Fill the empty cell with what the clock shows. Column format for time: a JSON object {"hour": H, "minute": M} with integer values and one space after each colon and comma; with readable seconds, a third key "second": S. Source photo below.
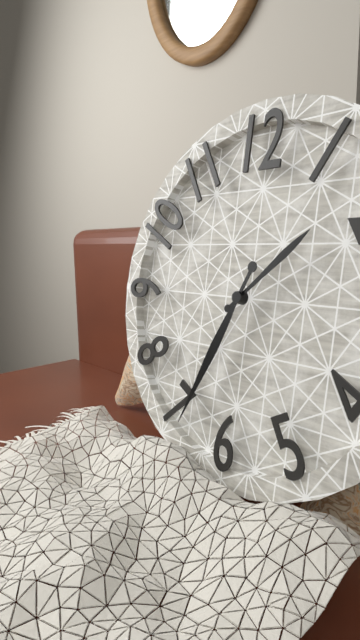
{"hour": 1, "minute": 34}
